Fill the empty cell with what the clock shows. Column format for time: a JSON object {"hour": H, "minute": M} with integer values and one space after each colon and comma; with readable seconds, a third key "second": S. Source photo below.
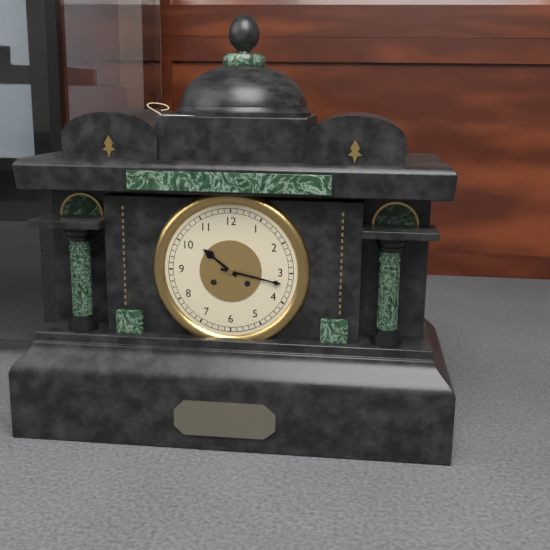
{"hour": 10, "minute": 17}
